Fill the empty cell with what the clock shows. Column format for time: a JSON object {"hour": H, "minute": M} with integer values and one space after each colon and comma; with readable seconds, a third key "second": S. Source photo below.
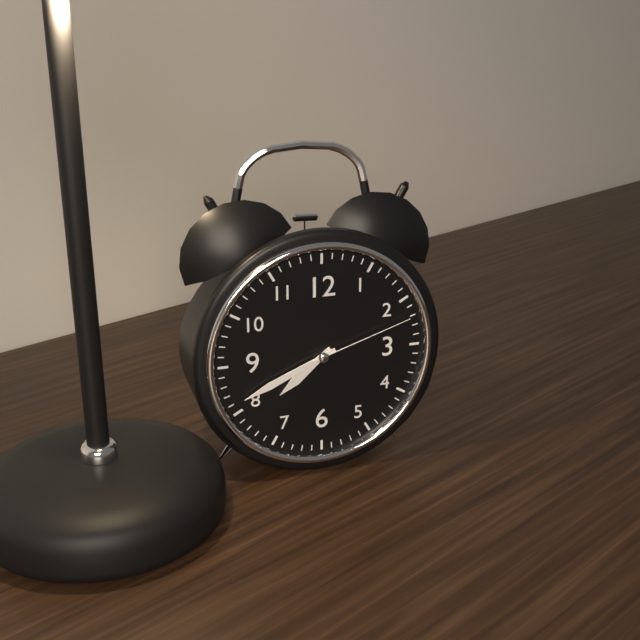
{"hour": 7, "minute": 41, "second": 12}
